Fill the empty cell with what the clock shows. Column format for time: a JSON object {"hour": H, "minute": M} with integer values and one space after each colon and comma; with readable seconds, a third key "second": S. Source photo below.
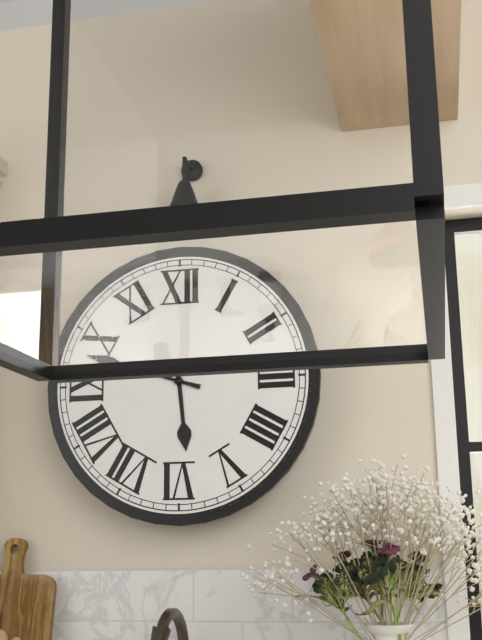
{"hour": 5, "minute": 48}
